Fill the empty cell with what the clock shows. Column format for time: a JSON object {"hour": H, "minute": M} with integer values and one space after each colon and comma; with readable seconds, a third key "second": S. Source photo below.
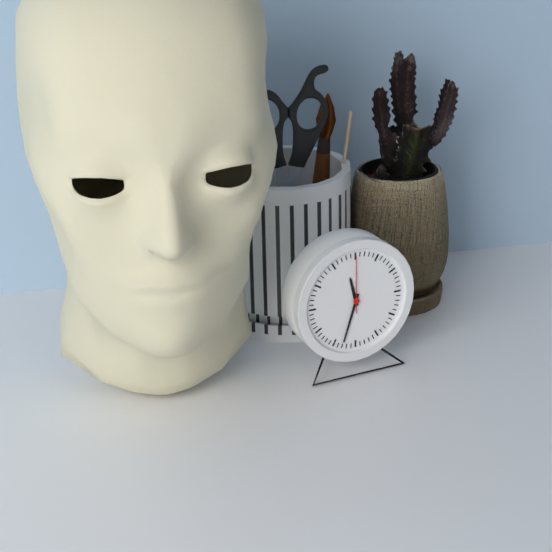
{"hour": 11, "minute": 33, "second": 0}
